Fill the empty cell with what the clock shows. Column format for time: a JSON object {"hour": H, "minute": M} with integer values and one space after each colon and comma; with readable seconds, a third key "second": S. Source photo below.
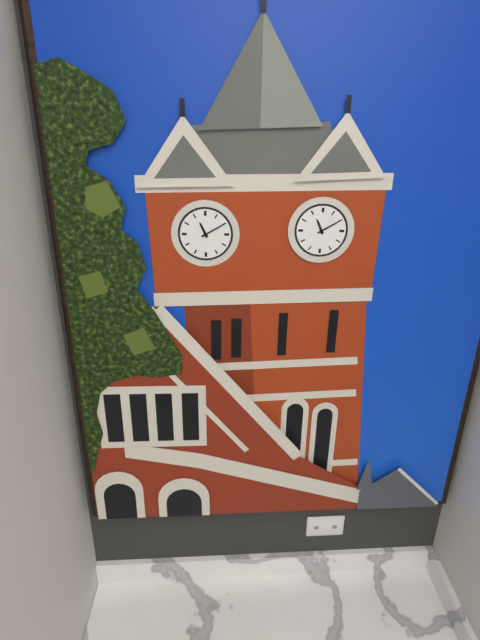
{"hour": 11, "minute": 10}
